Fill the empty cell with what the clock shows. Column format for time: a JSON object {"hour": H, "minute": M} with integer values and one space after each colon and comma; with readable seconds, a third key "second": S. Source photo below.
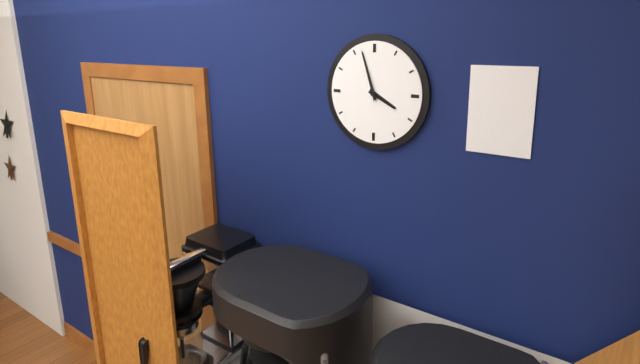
{"hour": 3, "minute": 57}
